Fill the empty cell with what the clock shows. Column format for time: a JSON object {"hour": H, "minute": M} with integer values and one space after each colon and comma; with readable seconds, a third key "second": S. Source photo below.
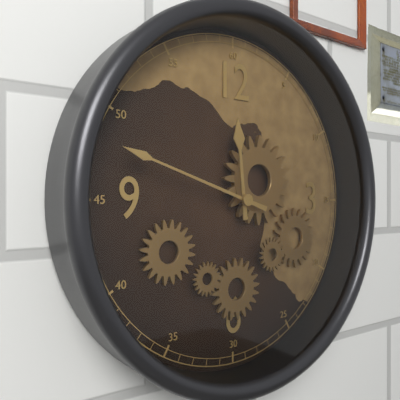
{"hour": 11, "minute": 48}
